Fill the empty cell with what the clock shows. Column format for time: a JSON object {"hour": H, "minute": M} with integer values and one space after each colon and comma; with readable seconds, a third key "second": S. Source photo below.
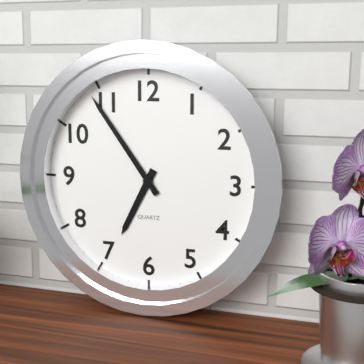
{"hour": 6, "minute": 54}
